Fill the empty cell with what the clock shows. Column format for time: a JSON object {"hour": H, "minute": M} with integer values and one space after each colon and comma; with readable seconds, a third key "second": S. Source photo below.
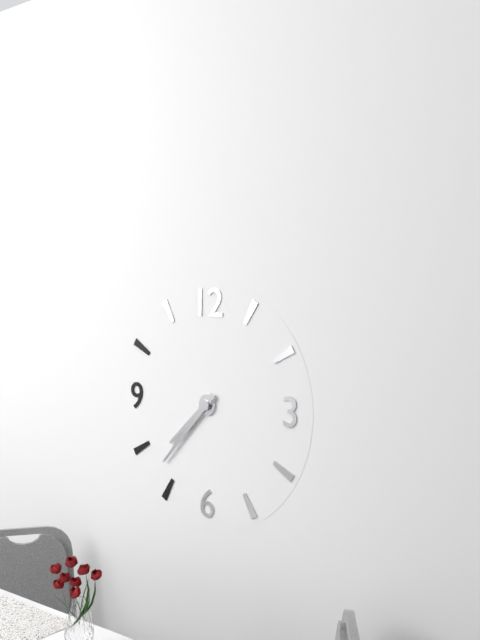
{"hour": 7, "minute": 37}
